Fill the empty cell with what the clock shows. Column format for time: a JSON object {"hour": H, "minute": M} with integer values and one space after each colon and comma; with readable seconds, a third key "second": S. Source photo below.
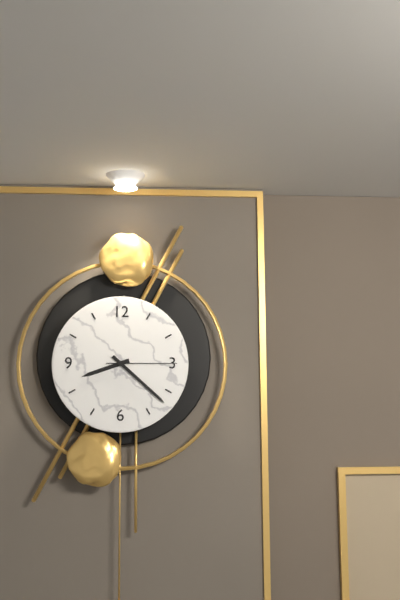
{"hour": 8, "minute": 22, "second": 15}
